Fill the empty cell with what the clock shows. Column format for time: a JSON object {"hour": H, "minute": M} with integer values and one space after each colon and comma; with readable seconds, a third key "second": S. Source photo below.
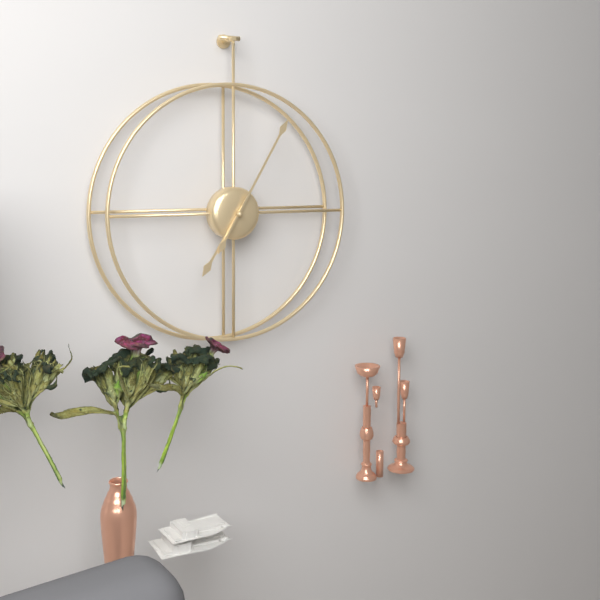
{"hour": 7, "minute": 5}
